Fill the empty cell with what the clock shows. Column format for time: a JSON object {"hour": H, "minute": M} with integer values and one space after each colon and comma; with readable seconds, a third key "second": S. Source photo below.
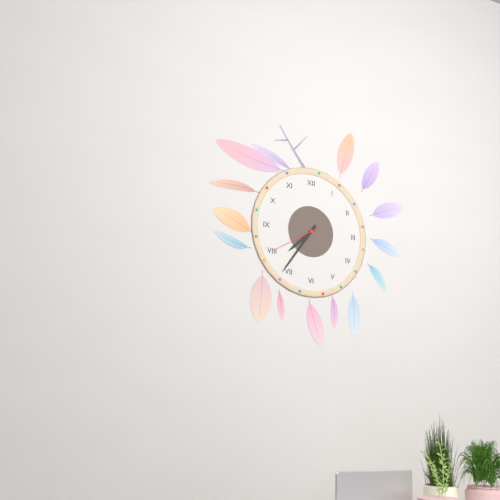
{"hour": 7, "minute": 36}
